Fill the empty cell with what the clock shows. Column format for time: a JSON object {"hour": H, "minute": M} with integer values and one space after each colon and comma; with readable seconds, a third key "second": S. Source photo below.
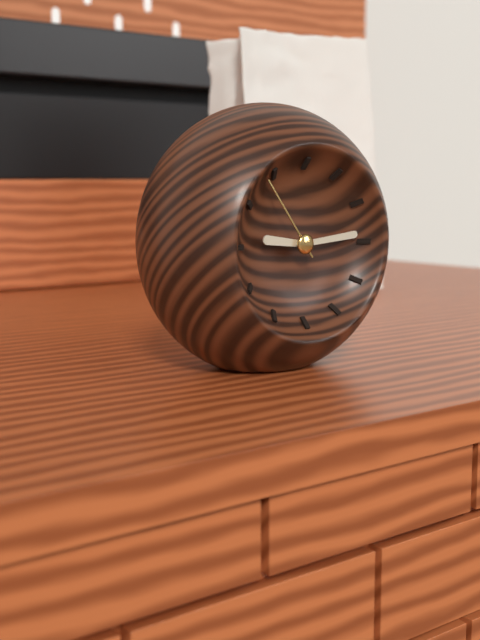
{"hour": 9, "minute": 14, "second": 54}
